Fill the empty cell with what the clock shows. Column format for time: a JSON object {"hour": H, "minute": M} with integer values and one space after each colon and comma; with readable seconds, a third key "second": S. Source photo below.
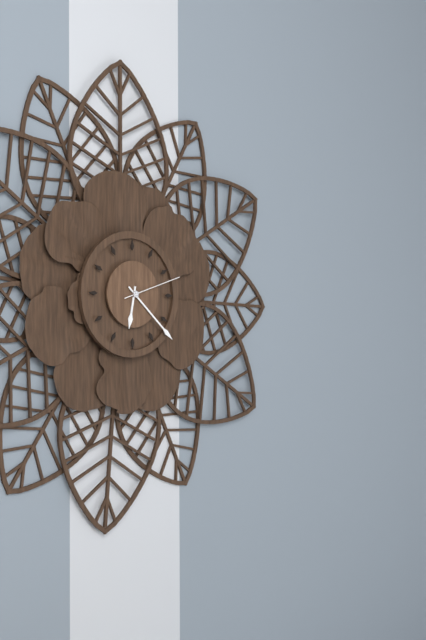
{"hour": 6, "minute": 22, "second": 12}
